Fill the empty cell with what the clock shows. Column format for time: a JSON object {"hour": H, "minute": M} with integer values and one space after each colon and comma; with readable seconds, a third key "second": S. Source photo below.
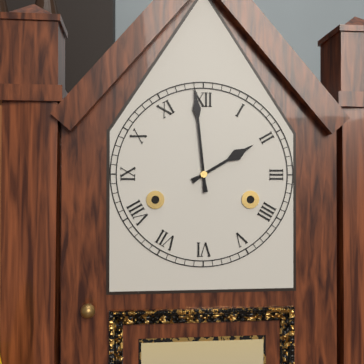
{"hour": 1, "minute": 59}
